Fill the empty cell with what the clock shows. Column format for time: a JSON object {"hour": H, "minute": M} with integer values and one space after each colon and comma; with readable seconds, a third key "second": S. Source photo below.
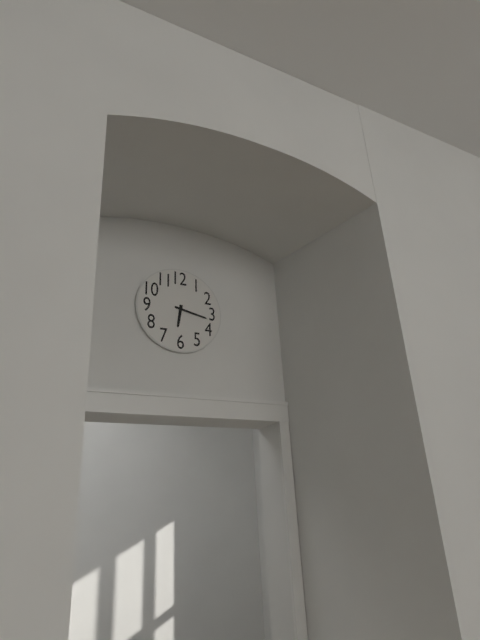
{"hour": 6, "minute": 17}
